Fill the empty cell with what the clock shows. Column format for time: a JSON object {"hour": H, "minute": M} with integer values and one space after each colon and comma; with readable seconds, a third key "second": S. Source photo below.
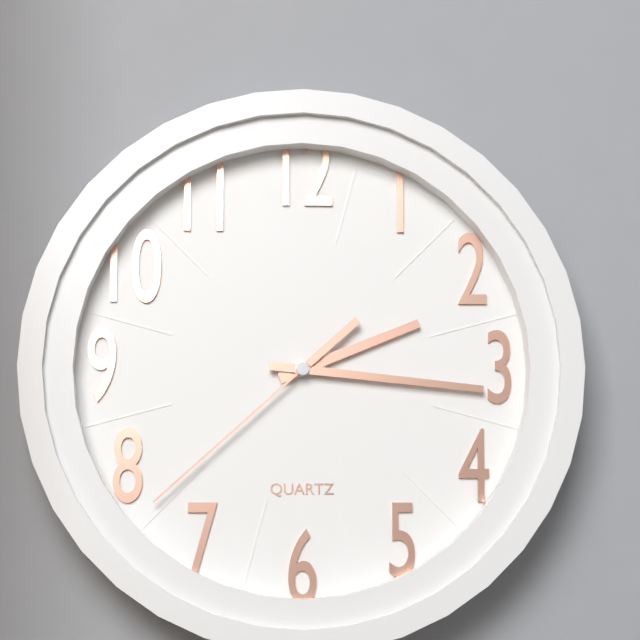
{"hour": 2, "minute": 16, "second": 38}
